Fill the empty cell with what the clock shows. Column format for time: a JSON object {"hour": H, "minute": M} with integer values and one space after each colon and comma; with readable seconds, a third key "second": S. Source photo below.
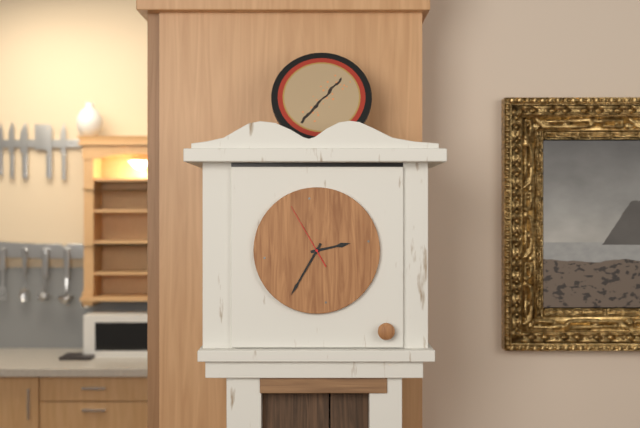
{"hour": 2, "minute": 35, "second": 55}
